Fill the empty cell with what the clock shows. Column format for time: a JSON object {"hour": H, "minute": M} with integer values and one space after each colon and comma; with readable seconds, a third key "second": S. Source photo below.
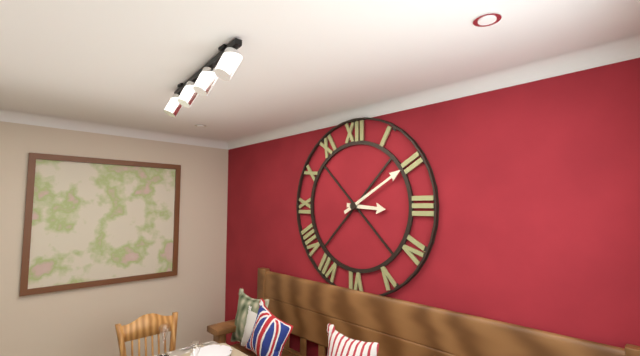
{"hour": 3, "minute": 10}
